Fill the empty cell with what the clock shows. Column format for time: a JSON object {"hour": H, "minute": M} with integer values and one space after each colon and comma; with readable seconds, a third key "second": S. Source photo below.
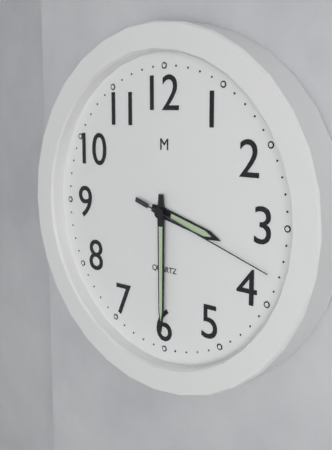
{"hour": 3, "minute": 30, "second": 18}
